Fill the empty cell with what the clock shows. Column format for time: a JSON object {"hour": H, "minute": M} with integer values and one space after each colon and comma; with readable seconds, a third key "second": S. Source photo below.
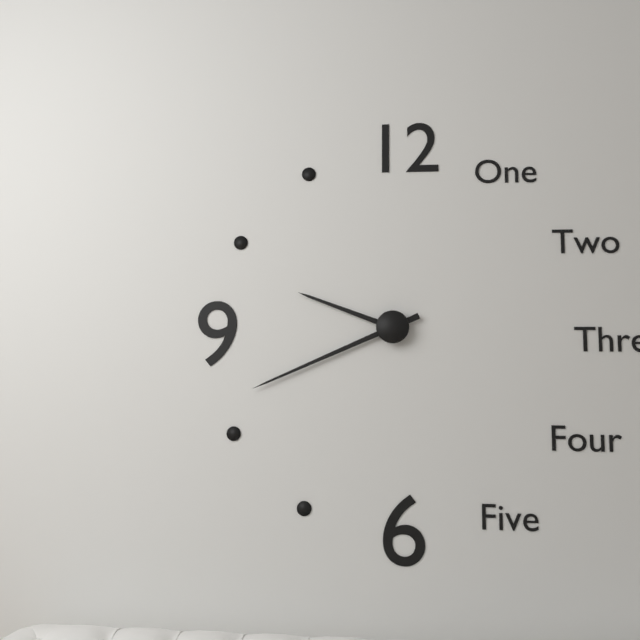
{"hour": 9, "minute": 41}
